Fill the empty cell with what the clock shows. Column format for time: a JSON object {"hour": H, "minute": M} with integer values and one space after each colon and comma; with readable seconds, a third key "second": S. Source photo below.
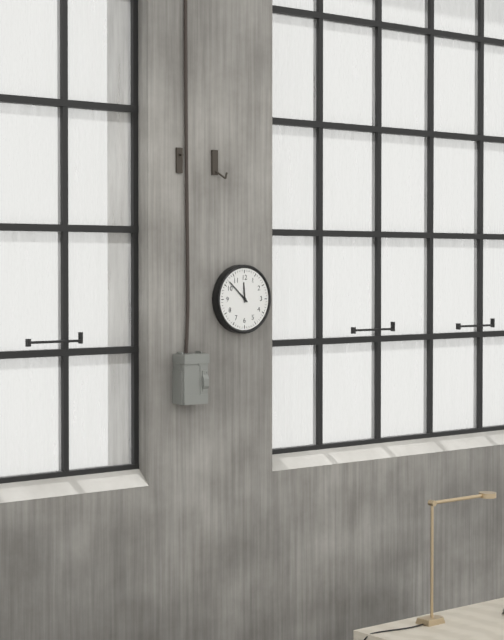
{"hour": 11, "minute": 52}
